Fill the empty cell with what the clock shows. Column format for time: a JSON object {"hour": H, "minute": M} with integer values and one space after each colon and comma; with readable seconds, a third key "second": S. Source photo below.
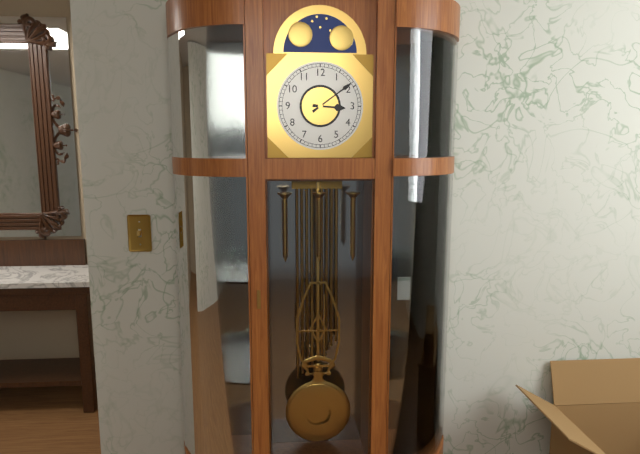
{"hour": 3, "minute": 9}
